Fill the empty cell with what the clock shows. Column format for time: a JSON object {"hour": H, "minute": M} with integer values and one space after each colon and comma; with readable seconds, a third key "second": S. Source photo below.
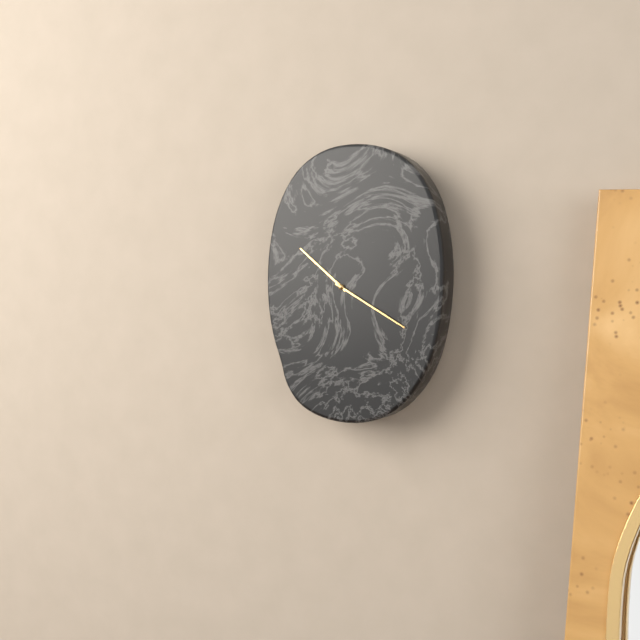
{"hour": 10, "minute": 20}
